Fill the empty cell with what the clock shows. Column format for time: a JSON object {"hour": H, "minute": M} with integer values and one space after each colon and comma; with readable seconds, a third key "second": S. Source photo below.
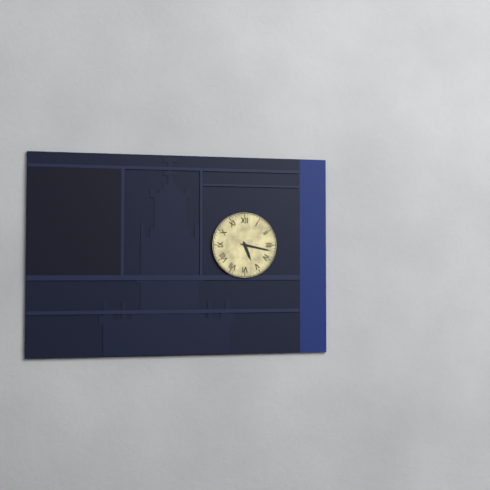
{"hour": 5, "minute": 17}
